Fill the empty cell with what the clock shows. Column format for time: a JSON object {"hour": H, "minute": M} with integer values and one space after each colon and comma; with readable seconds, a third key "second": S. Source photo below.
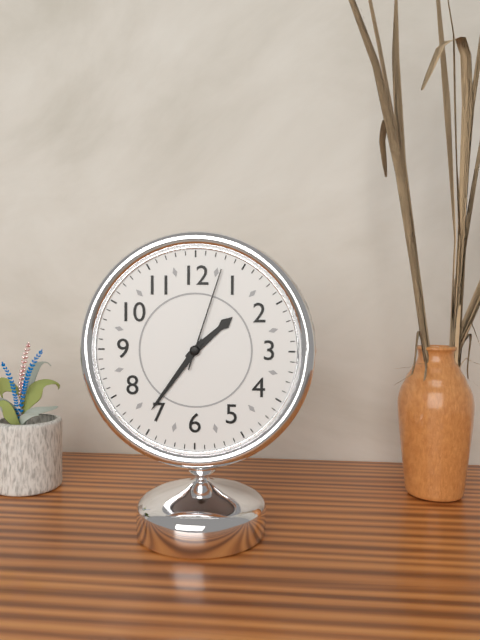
{"hour": 1, "minute": 36, "second": 3}
